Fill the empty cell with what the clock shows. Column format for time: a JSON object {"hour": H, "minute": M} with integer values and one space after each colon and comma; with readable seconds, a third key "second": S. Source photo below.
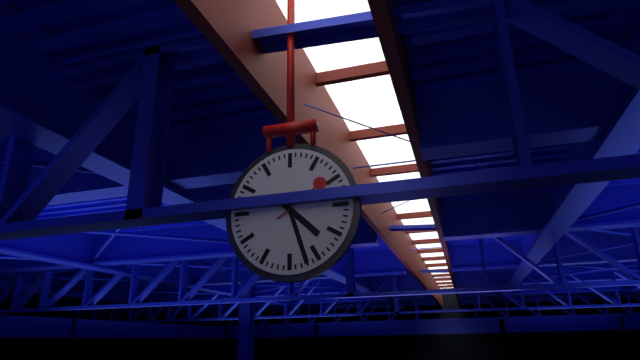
{"hour": 4, "minute": 27, "second": 9}
